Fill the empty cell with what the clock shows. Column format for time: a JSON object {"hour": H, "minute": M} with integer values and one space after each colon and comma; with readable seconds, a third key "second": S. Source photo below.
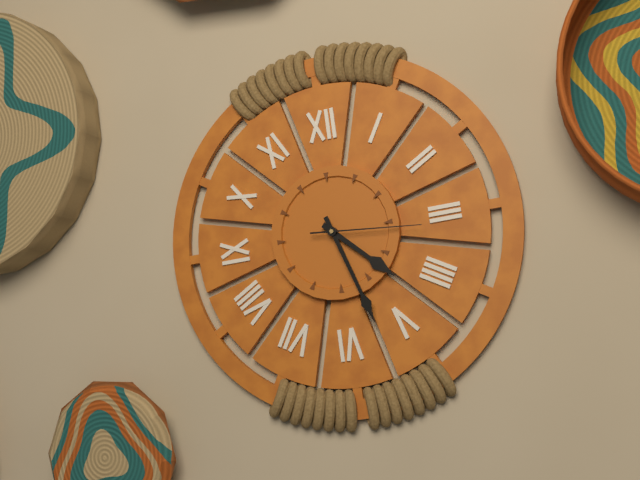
{"hour": 4, "minute": 27, "second": 16}
